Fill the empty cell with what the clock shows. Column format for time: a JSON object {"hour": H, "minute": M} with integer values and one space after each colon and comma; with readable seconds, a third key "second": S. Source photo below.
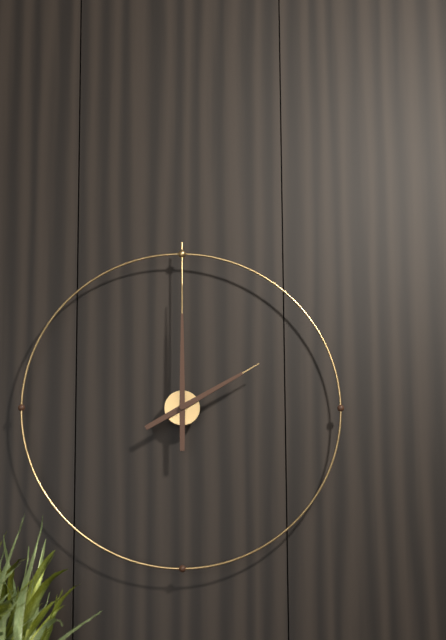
{"hour": 2, "minute": 0}
